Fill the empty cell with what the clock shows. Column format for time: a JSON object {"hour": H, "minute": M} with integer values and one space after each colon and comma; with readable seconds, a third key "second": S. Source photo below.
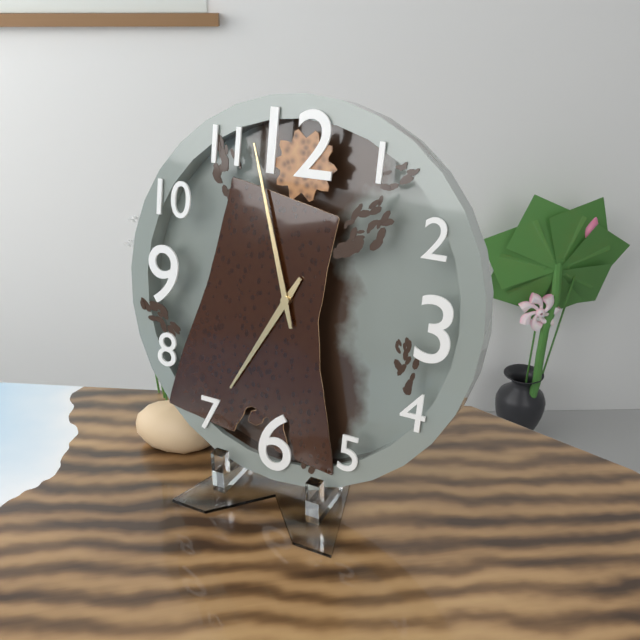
{"hour": 6, "minute": 57}
